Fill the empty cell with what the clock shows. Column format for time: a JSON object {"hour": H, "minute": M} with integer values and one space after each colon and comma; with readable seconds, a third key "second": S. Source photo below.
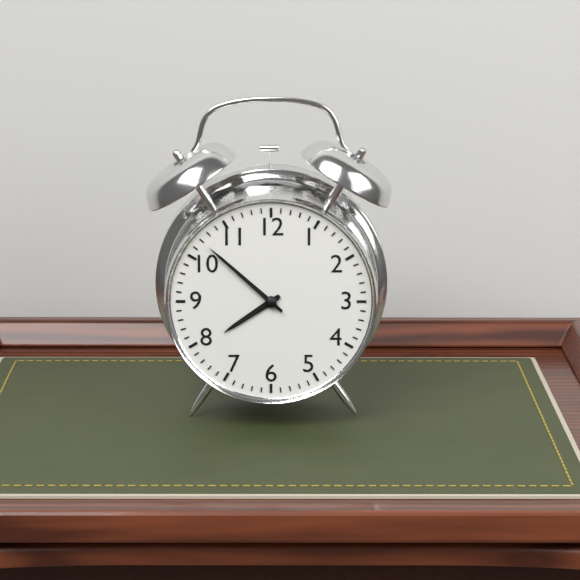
{"hour": 7, "minute": 52}
